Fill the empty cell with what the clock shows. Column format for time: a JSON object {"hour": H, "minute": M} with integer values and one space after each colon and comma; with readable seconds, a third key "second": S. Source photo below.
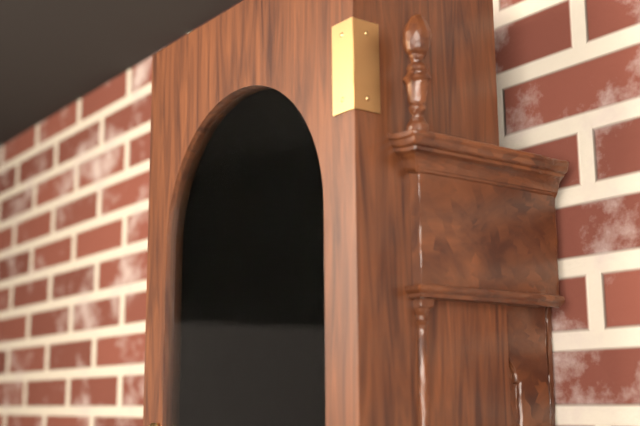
{"hour": 10, "minute": 12}
